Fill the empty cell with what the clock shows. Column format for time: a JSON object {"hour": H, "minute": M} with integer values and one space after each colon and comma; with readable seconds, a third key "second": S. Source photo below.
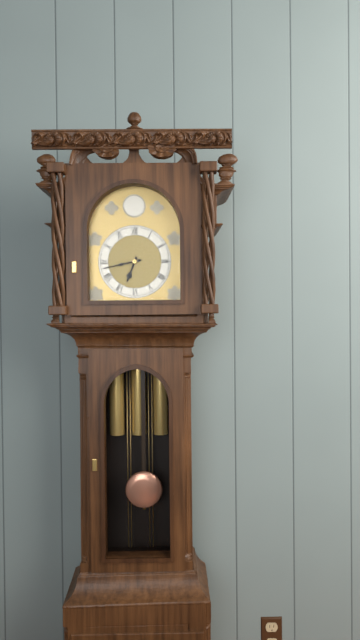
{"hour": 6, "minute": 43}
